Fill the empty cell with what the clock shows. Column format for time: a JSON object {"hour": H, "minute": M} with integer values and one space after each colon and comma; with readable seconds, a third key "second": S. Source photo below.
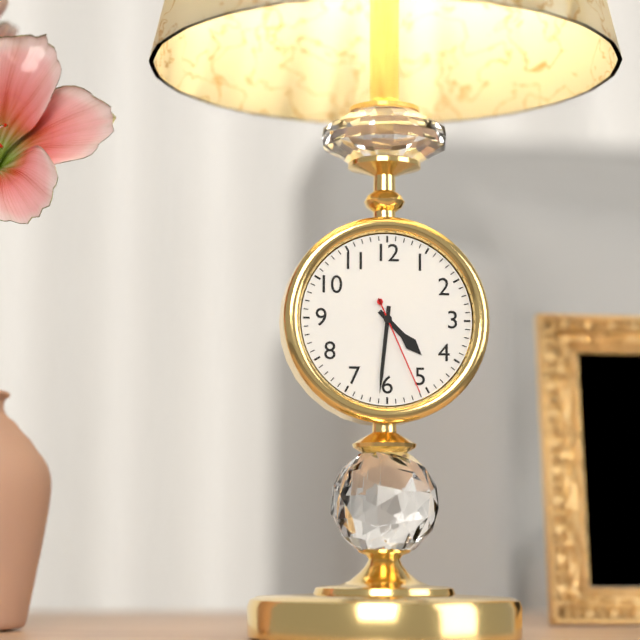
{"hour": 4, "minute": 31, "second": 26}
